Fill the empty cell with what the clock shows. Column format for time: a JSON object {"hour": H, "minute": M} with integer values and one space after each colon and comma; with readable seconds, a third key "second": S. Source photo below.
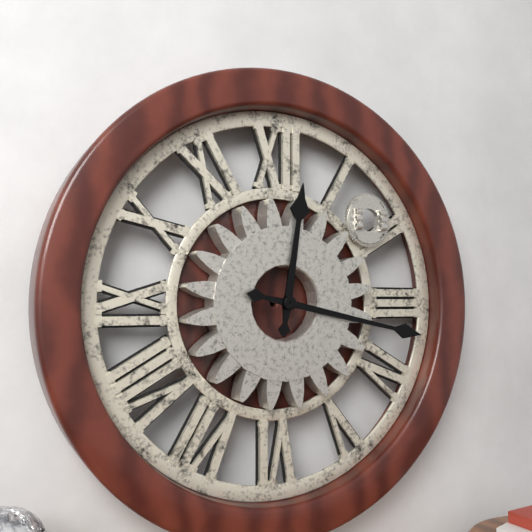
{"hour": 12, "minute": 17}
